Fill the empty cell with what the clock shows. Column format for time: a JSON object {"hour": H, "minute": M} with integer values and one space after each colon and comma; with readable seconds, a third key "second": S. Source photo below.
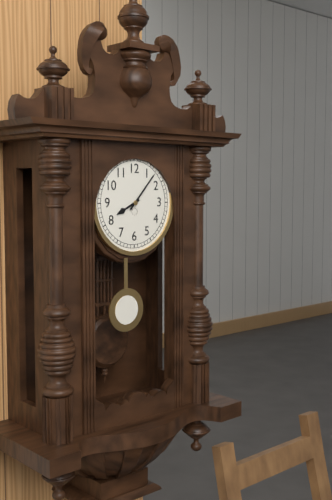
{"hour": 8, "minute": 7}
